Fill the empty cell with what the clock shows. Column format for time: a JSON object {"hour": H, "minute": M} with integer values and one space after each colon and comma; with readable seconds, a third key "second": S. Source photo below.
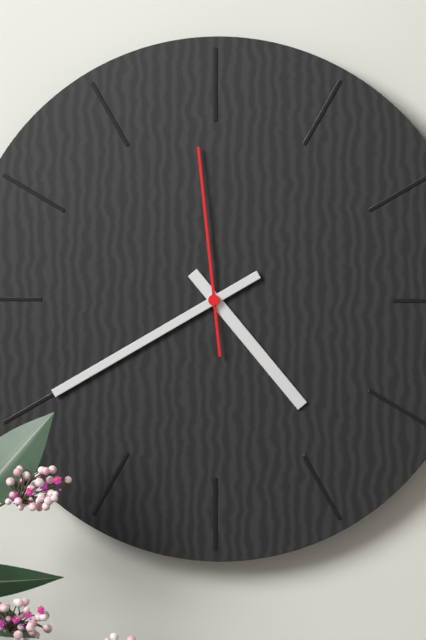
{"hour": 4, "minute": 40, "second": 59}
